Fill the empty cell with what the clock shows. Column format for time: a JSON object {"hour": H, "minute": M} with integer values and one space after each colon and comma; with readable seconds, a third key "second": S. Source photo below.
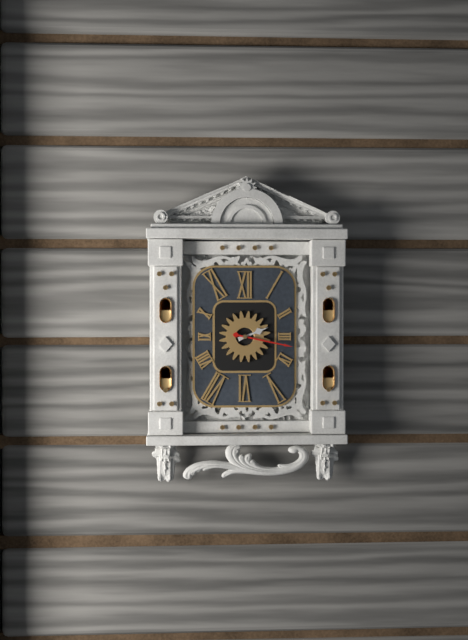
{"hour": 2, "minute": 17}
